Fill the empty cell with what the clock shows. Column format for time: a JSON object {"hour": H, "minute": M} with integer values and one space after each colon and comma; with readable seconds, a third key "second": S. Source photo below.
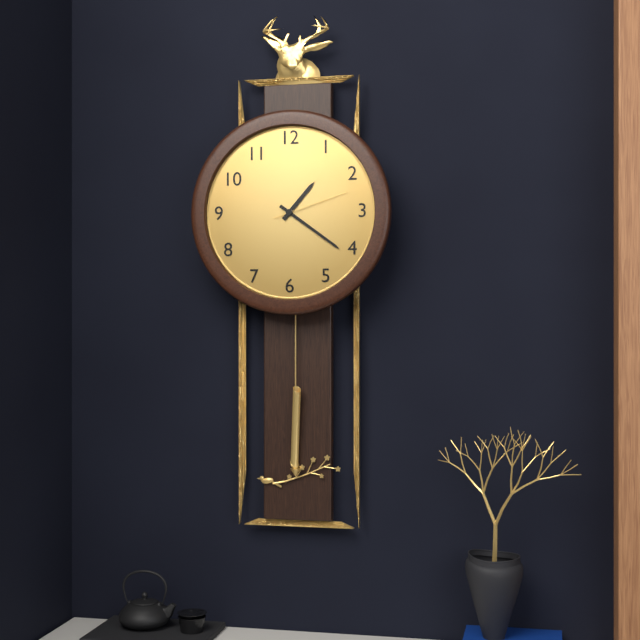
{"hour": 1, "minute": 21, "second": 12}
